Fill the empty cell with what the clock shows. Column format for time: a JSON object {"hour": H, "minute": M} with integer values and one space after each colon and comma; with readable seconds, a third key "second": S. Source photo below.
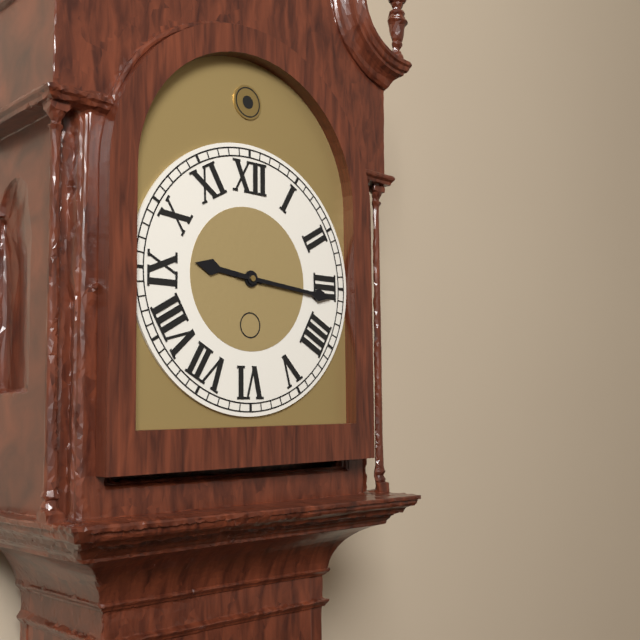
{"hour": 9, "minute": 16}
